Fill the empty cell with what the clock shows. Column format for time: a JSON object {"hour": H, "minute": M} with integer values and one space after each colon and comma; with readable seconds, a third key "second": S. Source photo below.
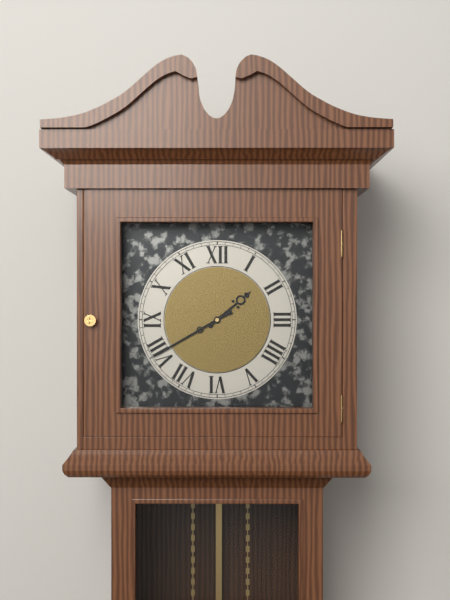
{"hour": 1, "minute": 40}
